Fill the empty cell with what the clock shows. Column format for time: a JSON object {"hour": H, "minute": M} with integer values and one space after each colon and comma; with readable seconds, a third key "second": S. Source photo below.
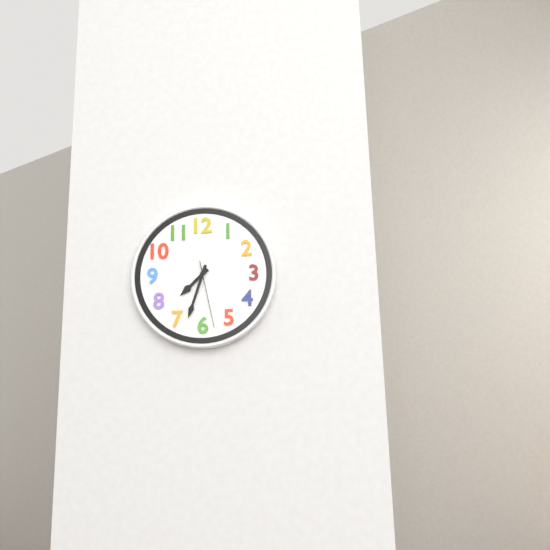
{"hour": 7, "minute": 33, "second": 28}
